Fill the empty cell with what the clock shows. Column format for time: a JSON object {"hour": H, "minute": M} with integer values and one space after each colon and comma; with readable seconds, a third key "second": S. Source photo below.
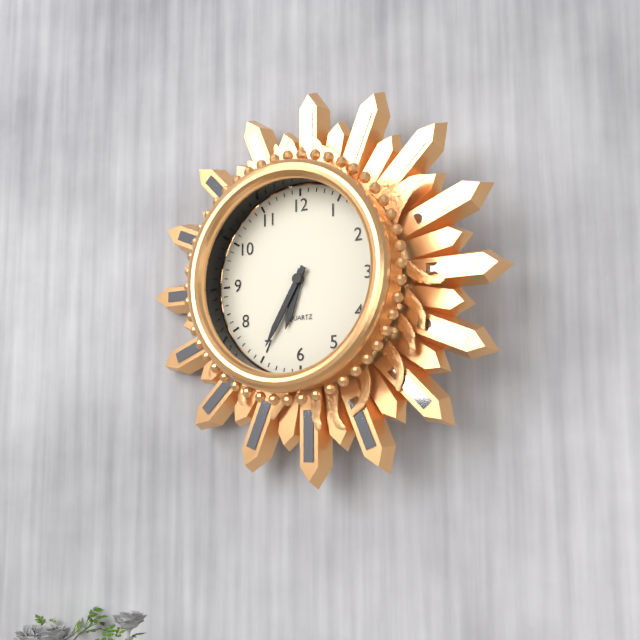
{"hour": 6, "minute": 35}
